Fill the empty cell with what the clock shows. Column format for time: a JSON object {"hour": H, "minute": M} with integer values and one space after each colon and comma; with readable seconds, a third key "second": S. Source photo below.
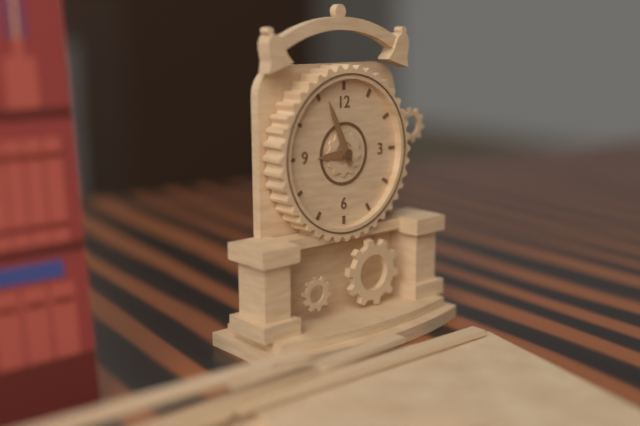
{"hour": 8, "minute": 56}
